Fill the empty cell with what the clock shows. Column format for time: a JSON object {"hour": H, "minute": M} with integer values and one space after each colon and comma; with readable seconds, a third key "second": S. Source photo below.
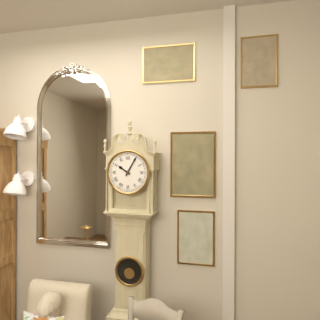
{"hour": 10, "minute": 5}
